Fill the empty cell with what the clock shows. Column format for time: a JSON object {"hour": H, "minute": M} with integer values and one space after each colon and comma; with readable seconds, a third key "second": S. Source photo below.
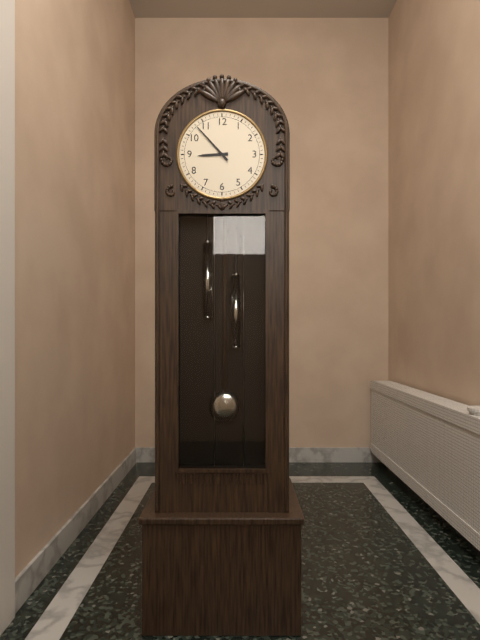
{"hour": 8, "minute": 53}
